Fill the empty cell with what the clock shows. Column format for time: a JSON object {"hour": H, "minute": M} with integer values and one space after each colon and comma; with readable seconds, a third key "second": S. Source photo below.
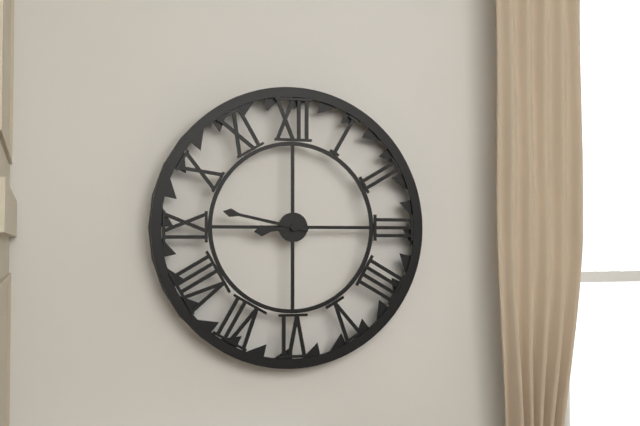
{"hour": 8, "minute": 47}
